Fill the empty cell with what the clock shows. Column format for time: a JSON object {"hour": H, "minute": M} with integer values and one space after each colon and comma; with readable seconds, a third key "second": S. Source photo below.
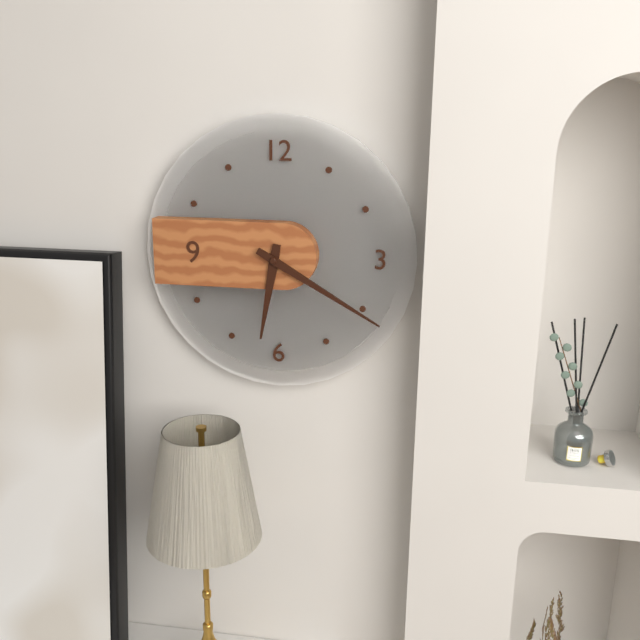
{"hour": 6, "minute": 20}
